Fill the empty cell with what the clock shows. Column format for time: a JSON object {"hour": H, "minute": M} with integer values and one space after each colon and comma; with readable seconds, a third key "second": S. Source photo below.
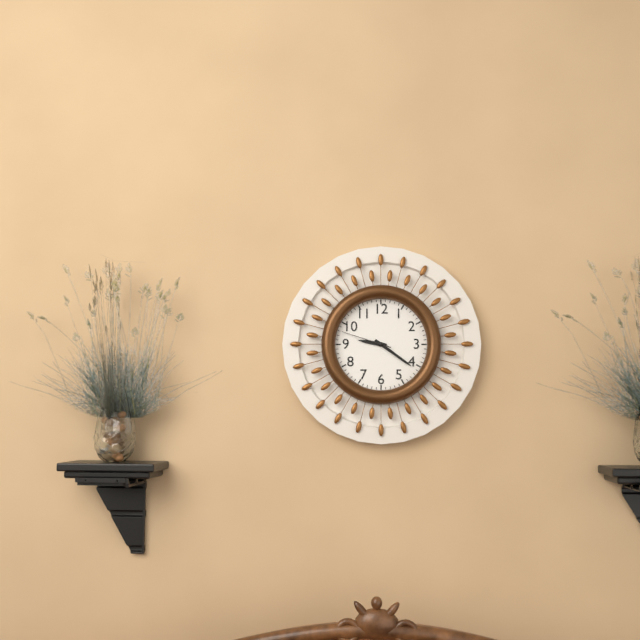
{"hour": 9, "minute": 21, "second": 48}
